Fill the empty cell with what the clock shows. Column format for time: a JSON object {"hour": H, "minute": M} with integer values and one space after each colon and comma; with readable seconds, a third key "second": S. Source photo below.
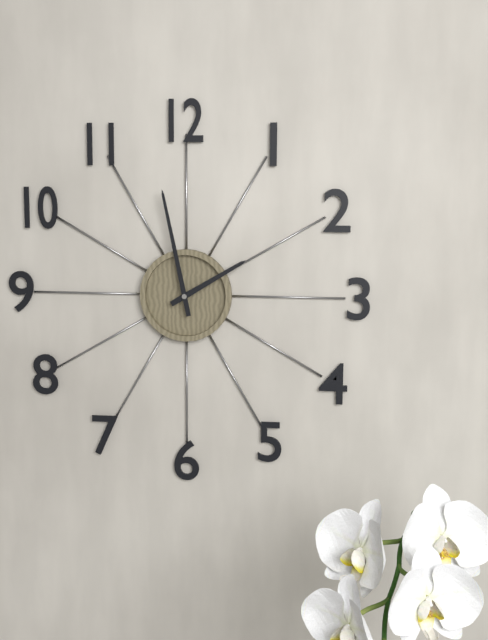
{"hour": 1, "minute": 58}
